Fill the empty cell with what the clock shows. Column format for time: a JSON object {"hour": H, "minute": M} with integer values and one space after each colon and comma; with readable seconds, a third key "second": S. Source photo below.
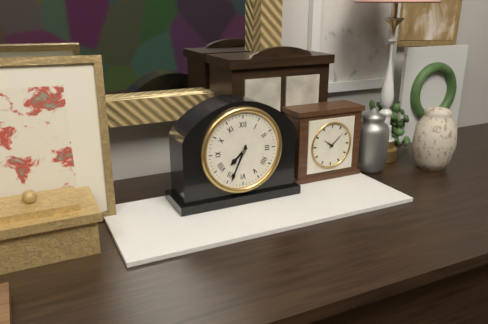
{"hour": 7, "minute": 34}
